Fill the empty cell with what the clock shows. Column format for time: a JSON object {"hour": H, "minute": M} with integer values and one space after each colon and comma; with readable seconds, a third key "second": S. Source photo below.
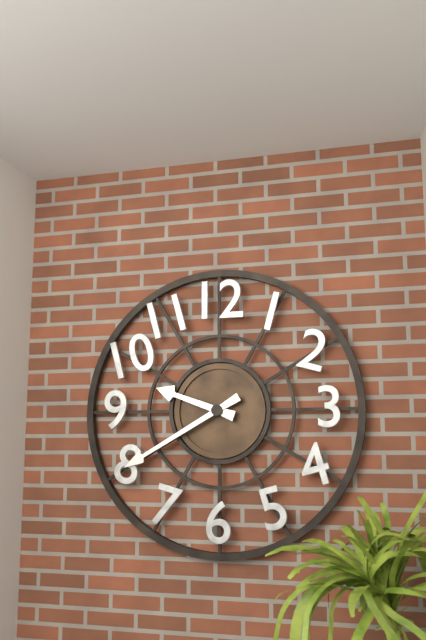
{"hour": 9, "minute": 40}
